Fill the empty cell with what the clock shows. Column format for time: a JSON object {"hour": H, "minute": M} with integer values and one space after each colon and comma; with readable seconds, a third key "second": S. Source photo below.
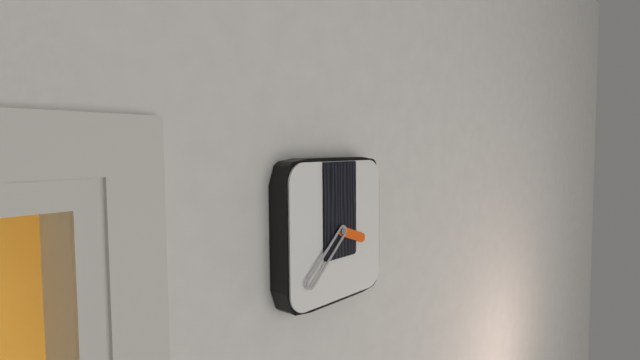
{"hour": 3, "minute": 38}
